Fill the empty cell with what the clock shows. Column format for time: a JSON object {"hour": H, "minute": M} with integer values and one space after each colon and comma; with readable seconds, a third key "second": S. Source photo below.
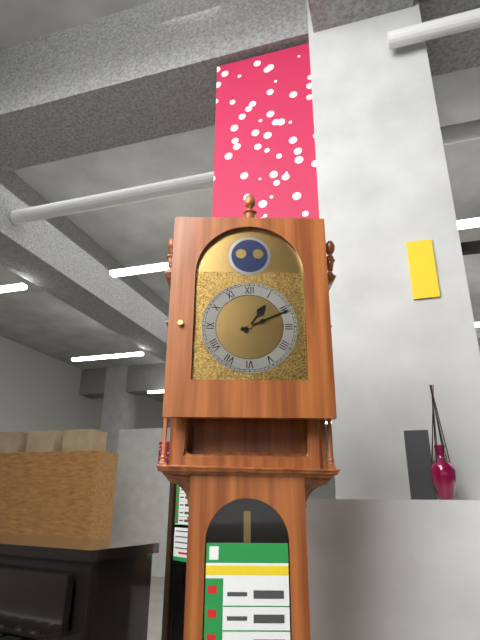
{"hour": 1, "minute": 11}
